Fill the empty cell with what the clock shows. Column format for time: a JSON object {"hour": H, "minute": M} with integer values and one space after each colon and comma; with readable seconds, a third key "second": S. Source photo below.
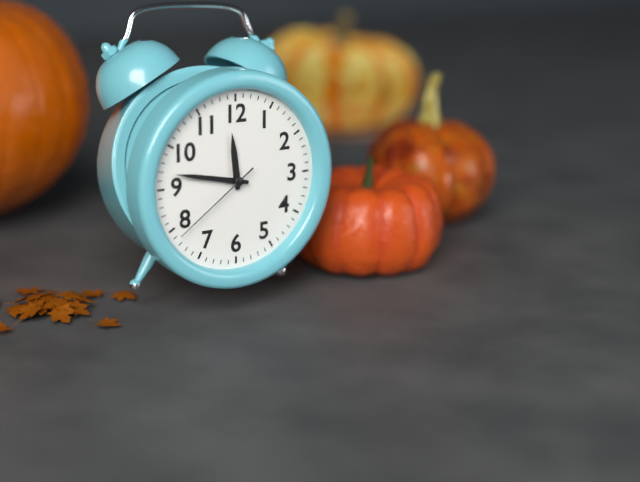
{"hour": 11, "minute": 47, "second": 39}
